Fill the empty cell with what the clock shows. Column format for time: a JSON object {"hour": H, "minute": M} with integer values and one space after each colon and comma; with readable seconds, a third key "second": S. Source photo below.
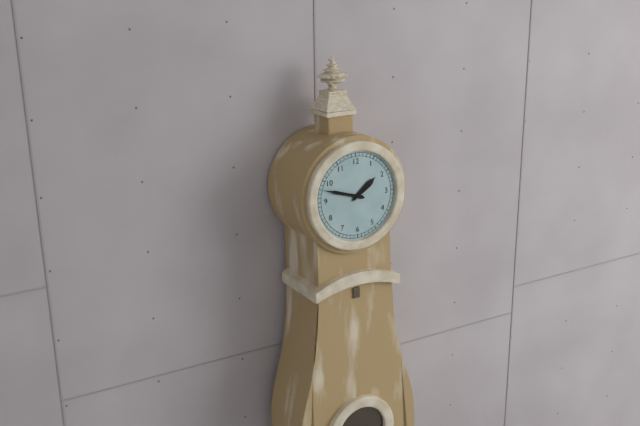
{"hour": 1, "minute": 48}
